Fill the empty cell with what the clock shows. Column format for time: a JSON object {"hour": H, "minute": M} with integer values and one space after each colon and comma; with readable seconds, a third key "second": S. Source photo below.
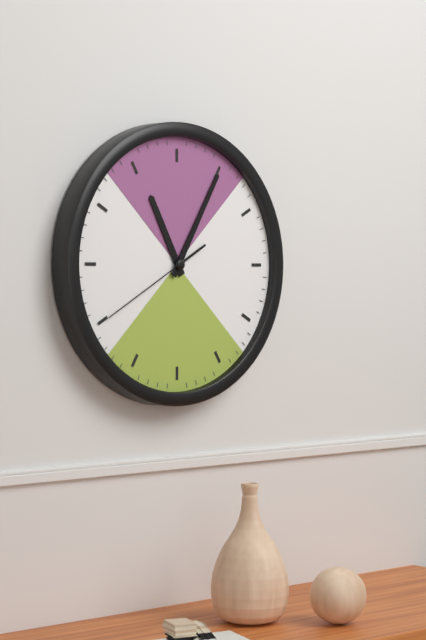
{"hour": 11, "minute": 5, "second": 40}
